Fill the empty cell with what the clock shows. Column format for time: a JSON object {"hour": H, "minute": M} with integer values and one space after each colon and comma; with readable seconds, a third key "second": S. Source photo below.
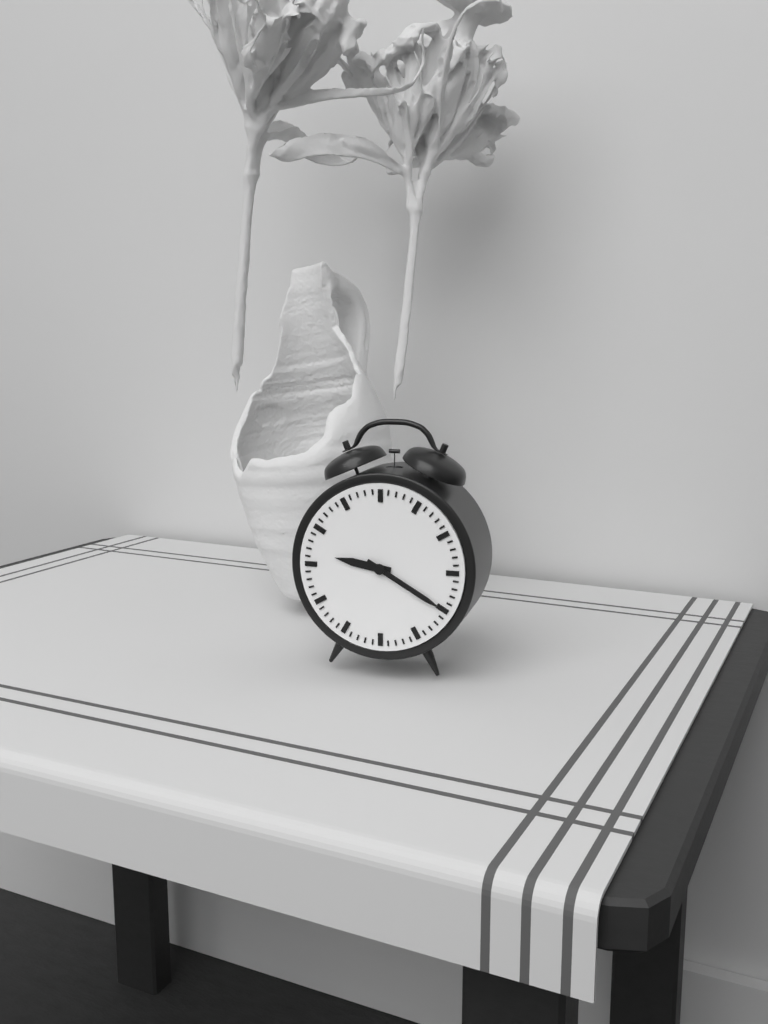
{"hour": 9, "minute": 20}
